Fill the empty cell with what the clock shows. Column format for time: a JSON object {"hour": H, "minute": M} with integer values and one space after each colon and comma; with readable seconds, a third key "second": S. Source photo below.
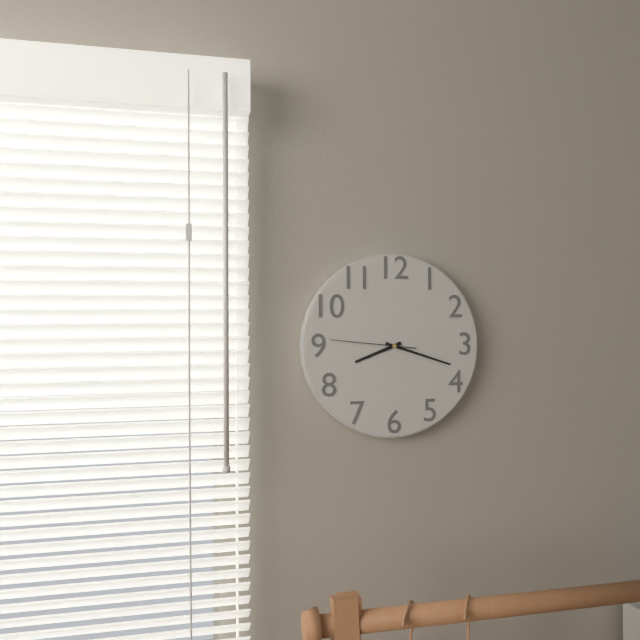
{"hour": 8, "minute": 18, "second": 46}
